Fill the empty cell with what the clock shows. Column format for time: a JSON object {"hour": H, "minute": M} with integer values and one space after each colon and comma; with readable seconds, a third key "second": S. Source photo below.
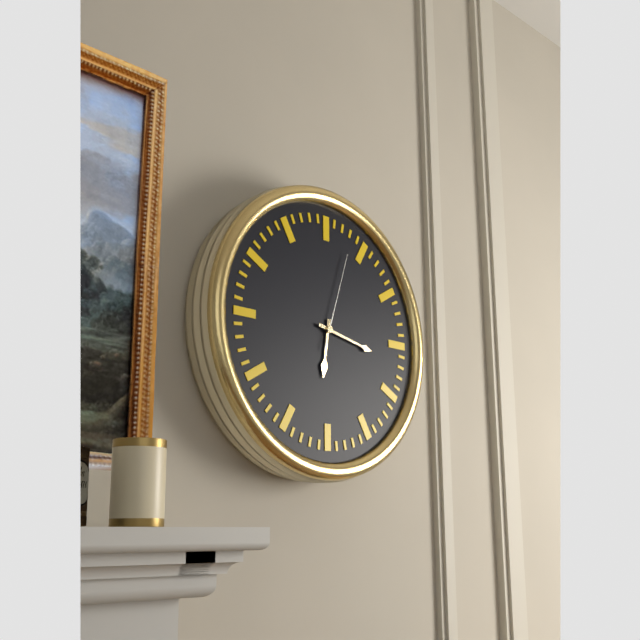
{"hour": 6, "minute": 17, "second": 3}
